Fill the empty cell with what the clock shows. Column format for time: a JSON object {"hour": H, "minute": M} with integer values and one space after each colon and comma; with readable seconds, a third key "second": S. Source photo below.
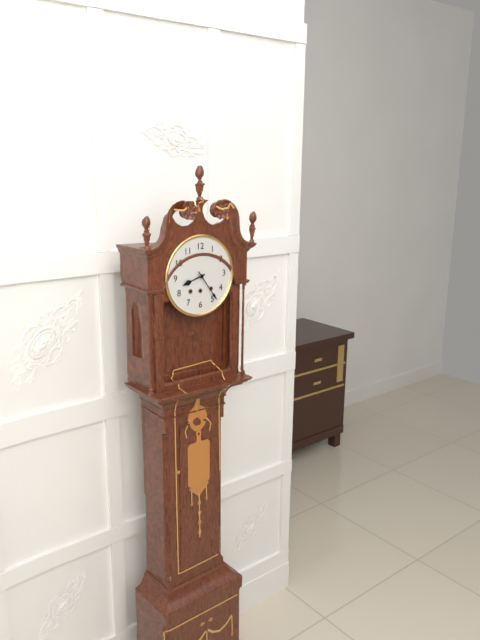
{"hour": 8, "minute": 24}
